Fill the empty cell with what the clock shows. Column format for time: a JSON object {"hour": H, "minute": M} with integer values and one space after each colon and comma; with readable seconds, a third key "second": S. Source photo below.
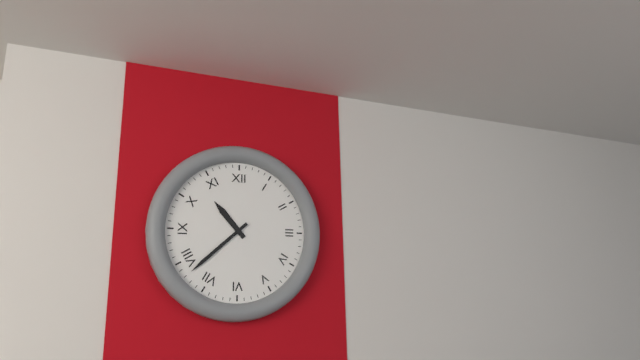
{"hour": 10, "minute": 38}
